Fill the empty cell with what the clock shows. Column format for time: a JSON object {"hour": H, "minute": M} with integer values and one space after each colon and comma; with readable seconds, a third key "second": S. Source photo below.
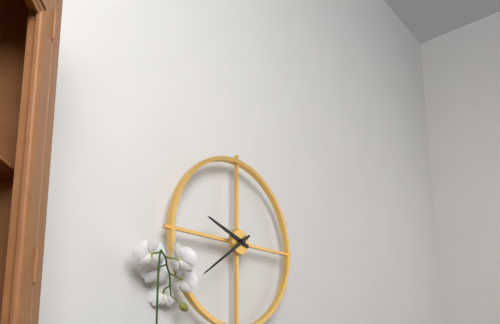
{"hour": 9, "minute": 39}
